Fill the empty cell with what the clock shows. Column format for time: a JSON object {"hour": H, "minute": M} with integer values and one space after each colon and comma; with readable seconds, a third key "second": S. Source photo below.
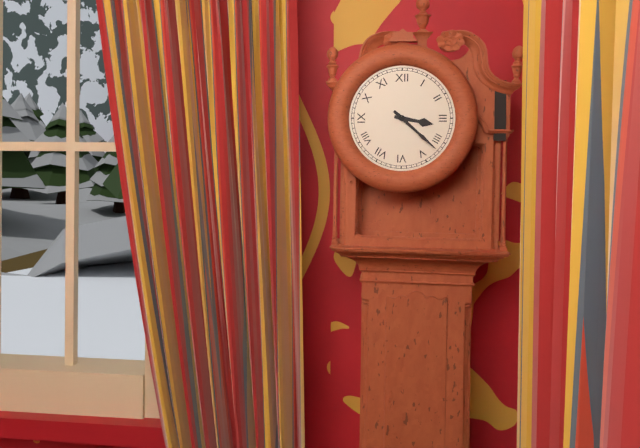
{"hour": 3, "minute": 22}
